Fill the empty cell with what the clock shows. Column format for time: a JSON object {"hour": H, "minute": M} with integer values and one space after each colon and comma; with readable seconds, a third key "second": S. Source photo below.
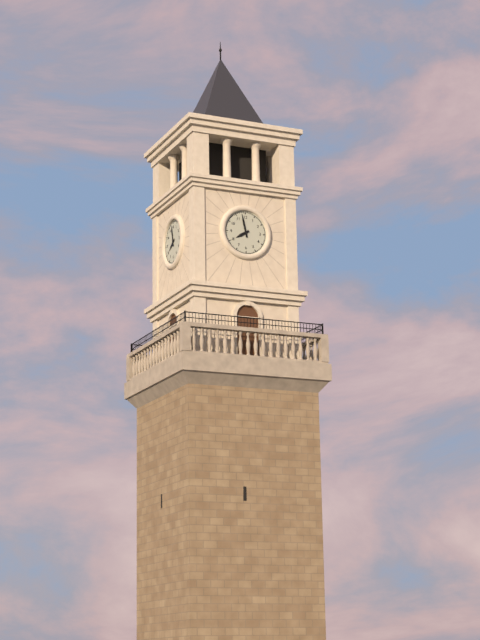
{"hour": 7, "minute": 58}
